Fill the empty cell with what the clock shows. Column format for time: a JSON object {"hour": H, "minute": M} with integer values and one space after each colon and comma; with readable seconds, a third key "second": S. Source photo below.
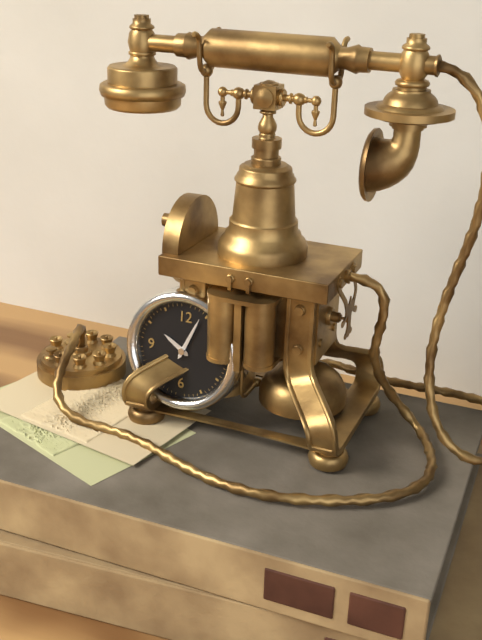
{"hour": 10, "minute": 4}
